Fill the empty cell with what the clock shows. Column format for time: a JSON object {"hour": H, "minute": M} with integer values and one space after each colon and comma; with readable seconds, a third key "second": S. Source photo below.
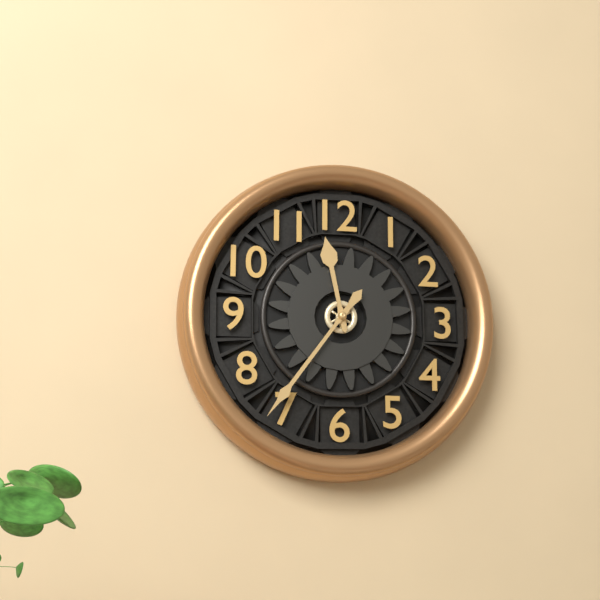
{"hour": 11, "minute": 36}
